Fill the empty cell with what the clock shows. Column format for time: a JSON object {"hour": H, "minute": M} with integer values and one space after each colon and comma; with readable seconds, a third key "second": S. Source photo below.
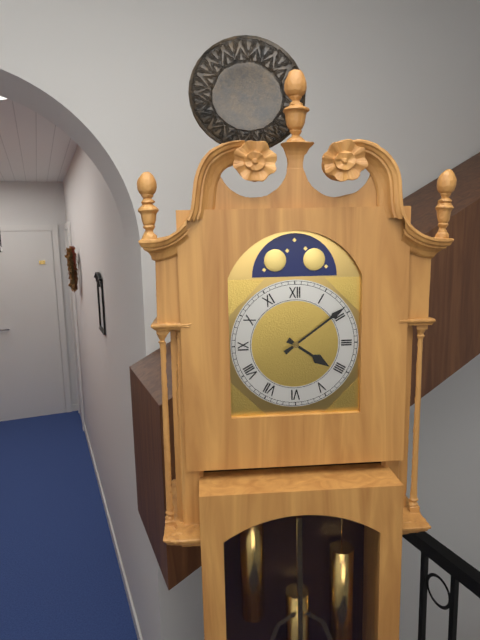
{"hour": 4, "minute": 9}
